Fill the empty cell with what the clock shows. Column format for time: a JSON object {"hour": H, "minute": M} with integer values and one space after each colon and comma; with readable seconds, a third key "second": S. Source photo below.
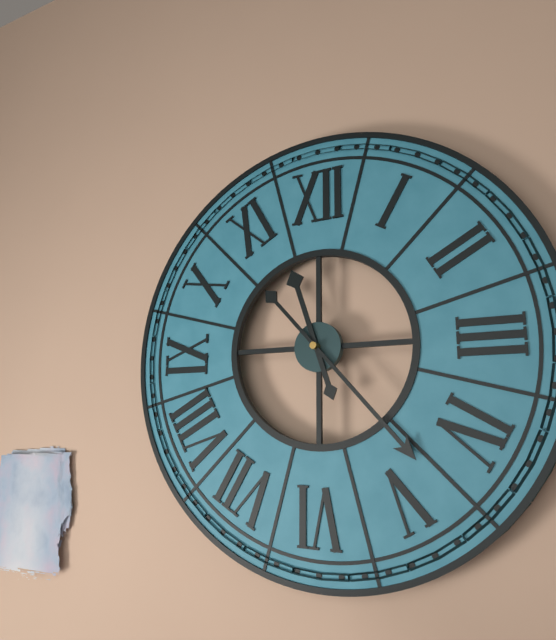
{"hour": 11, "minute": 23}
